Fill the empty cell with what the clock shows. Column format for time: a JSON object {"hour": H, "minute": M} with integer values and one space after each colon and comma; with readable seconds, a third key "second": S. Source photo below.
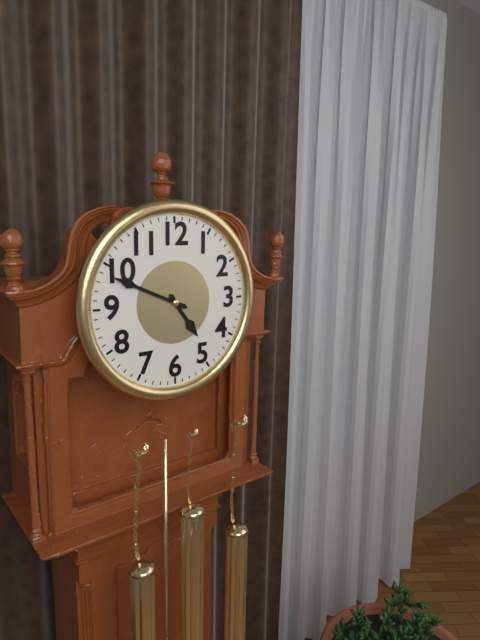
{"hour": 4, "minute": 49}
